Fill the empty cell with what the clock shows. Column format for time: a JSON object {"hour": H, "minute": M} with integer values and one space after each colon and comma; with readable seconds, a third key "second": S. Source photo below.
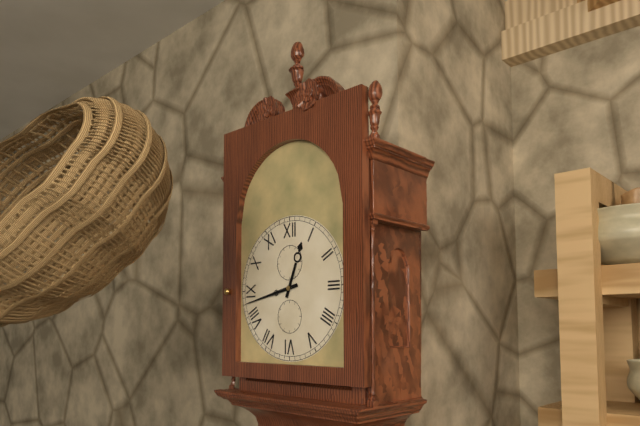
{"hour": 12, "minute": 43}
